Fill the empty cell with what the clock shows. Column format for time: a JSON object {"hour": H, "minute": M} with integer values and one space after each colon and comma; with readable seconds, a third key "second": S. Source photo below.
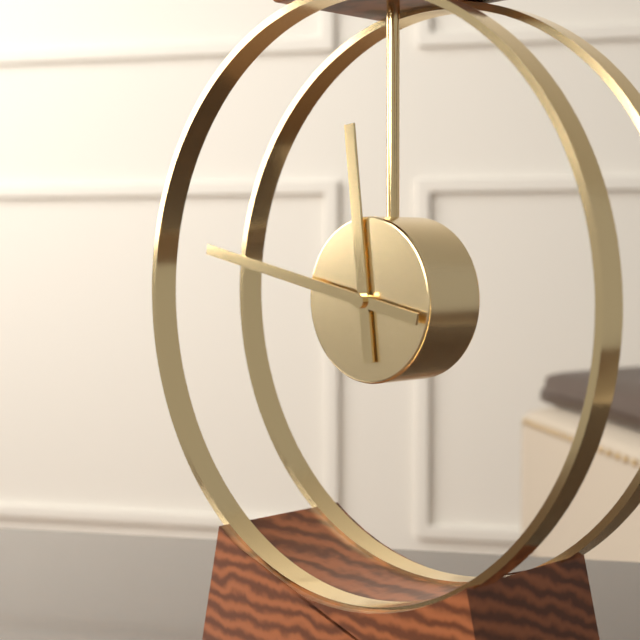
{"hour": 11, "minute": 47}
